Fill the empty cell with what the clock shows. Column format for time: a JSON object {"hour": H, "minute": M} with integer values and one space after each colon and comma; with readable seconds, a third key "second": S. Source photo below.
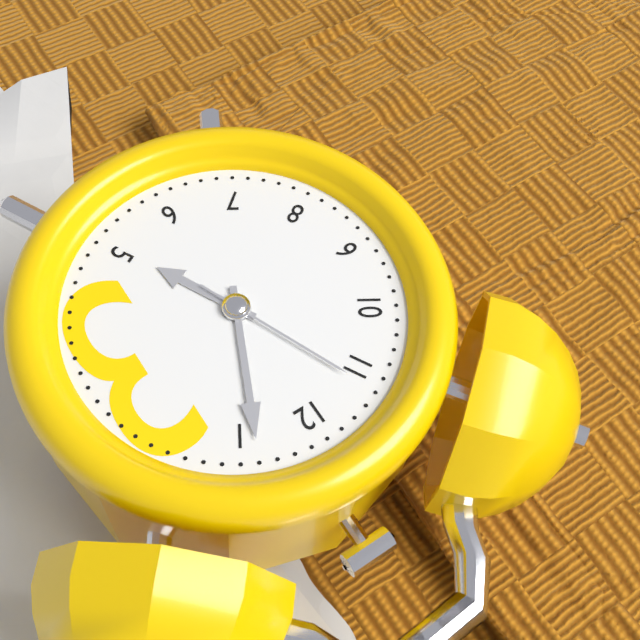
{"hour": 5, "minute": 4, "second": 56}
